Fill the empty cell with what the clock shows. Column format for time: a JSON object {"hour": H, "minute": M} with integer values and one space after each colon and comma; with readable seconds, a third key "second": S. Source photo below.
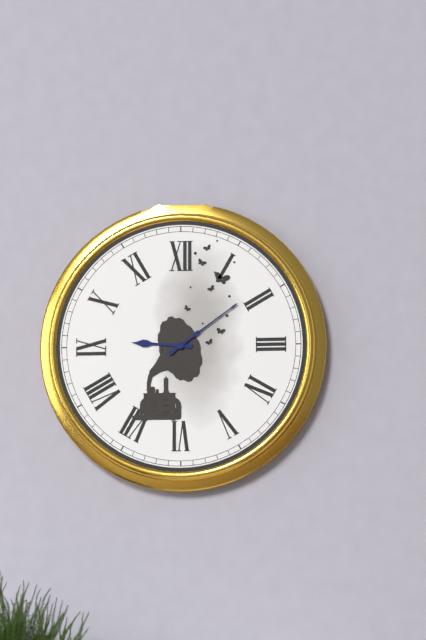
{"hour": 9, "minute": 9}
